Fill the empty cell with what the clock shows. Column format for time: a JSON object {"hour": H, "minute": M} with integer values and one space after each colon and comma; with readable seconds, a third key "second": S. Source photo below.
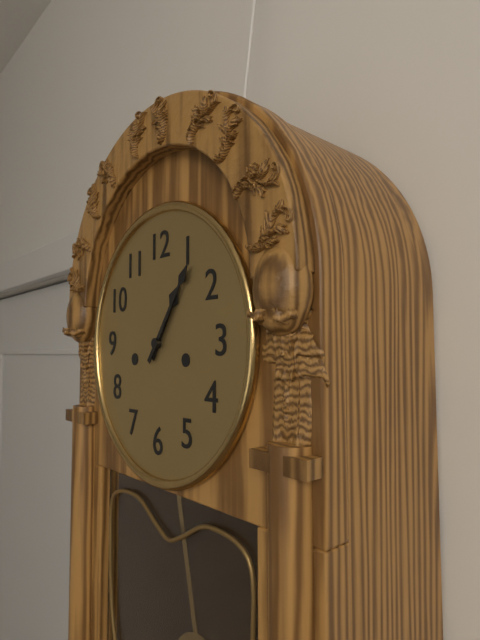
{"hour": 1, "minute": 6}
